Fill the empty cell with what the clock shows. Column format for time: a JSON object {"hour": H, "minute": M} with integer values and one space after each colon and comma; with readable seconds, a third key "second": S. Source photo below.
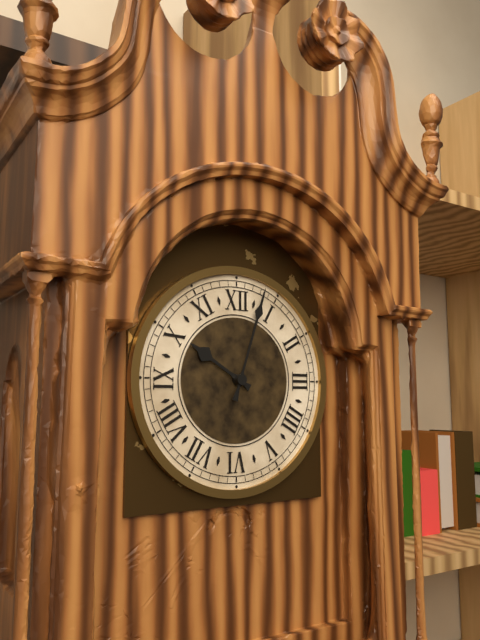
{"hour": 10, "minute": 3}
